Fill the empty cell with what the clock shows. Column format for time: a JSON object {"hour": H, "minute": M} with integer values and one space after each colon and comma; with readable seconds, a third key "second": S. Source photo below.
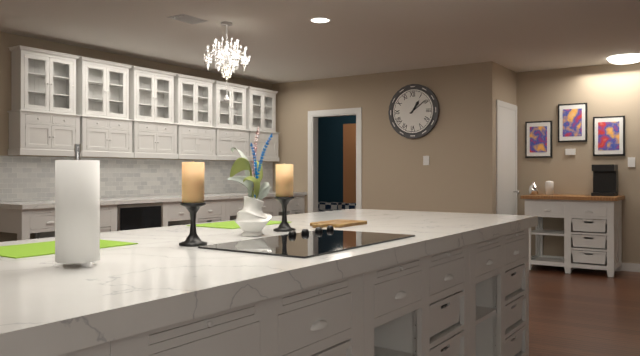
{"hour": 1, "minute": 9}
